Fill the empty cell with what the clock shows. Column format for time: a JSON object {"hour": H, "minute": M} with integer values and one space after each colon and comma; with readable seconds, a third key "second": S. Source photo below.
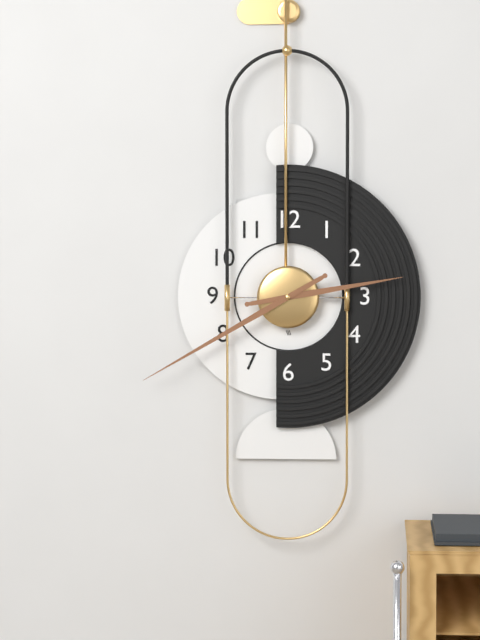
{"hour": 2, "minute": 40}
